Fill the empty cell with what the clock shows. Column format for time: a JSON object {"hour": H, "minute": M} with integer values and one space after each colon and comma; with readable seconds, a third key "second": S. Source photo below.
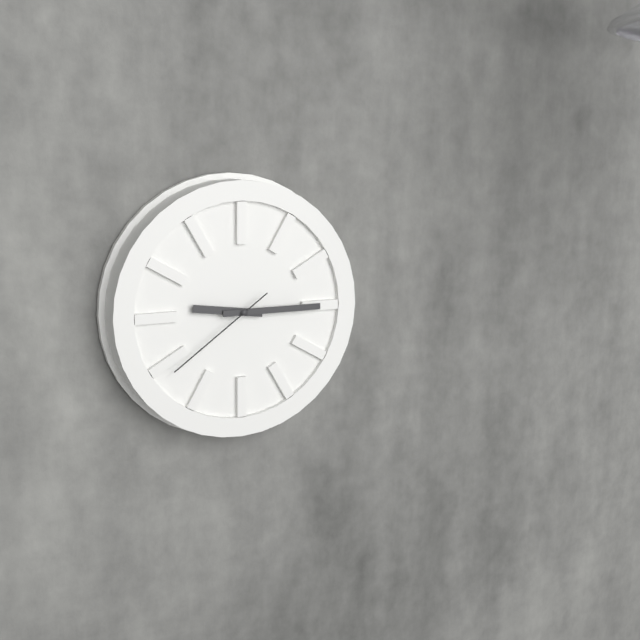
{"hour": 9, "minute": 15, "second": 39}
